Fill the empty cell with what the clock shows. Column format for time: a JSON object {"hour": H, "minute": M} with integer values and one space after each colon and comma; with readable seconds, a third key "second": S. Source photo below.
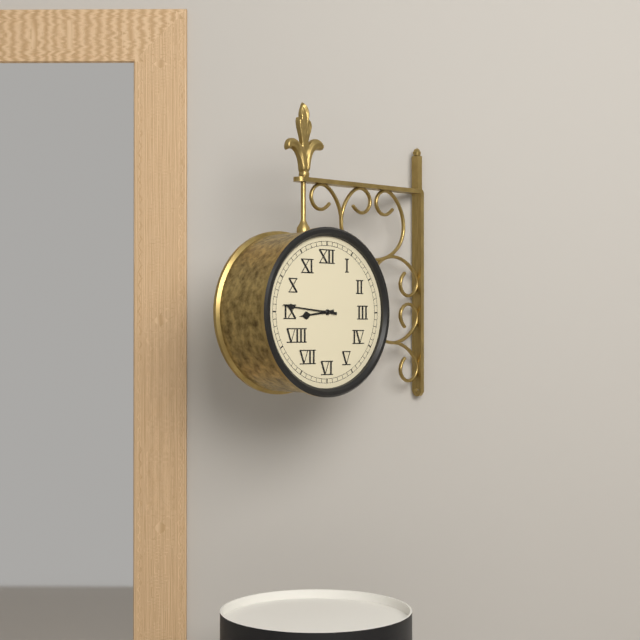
{"hour": 8, "minute": 46}
